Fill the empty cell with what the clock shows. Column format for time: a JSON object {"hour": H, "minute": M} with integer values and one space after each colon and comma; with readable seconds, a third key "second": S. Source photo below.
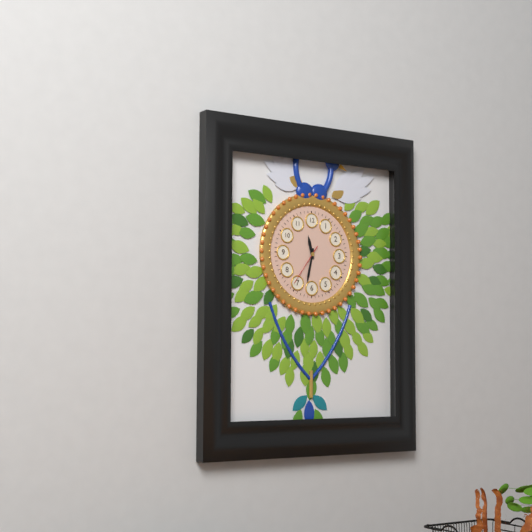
{"hour": 11, "minute": 32}
